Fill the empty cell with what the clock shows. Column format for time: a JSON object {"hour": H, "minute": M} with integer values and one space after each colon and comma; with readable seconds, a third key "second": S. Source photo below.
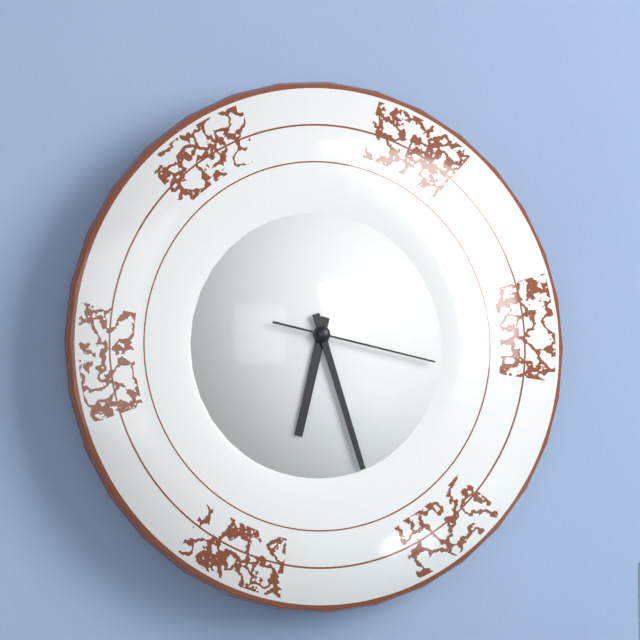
{"hour": 6, "minute": 27, "second": 17}
